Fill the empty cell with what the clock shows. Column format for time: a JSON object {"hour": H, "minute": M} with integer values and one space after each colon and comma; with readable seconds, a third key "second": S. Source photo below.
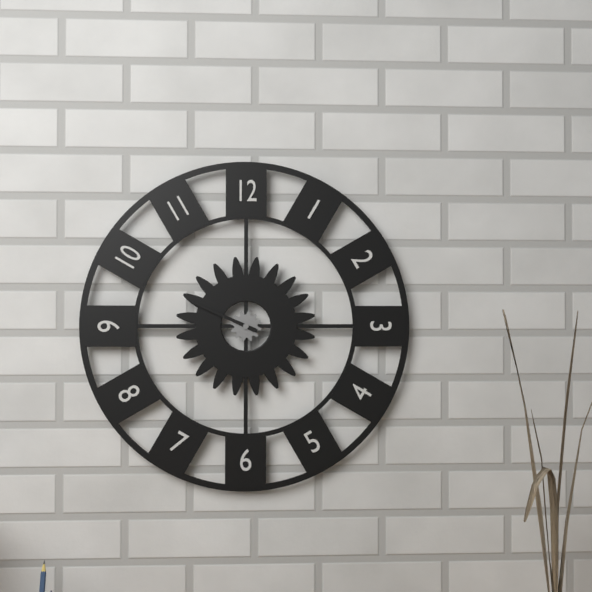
{"hour": 9, "minute": 49}
